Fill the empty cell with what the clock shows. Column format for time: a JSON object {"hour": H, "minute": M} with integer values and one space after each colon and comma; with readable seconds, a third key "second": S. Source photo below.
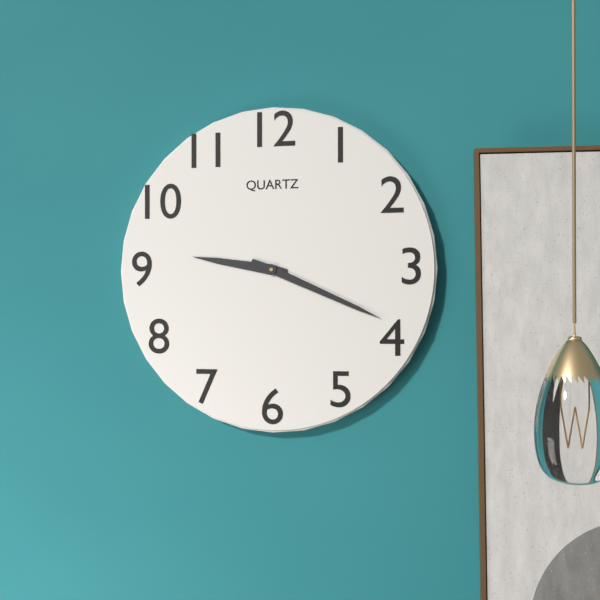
{"hour": 9, "minute": 19}
